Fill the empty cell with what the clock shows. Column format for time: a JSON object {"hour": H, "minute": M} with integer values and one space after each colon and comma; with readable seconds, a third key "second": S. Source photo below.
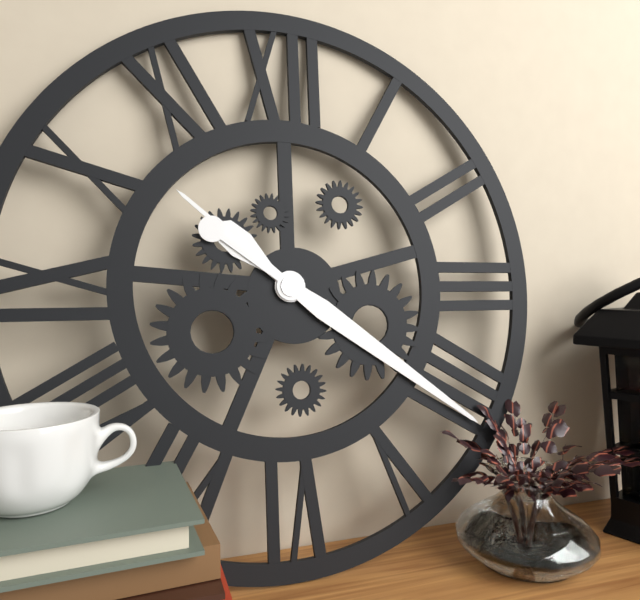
{"hour": 10, "minute": 21}
